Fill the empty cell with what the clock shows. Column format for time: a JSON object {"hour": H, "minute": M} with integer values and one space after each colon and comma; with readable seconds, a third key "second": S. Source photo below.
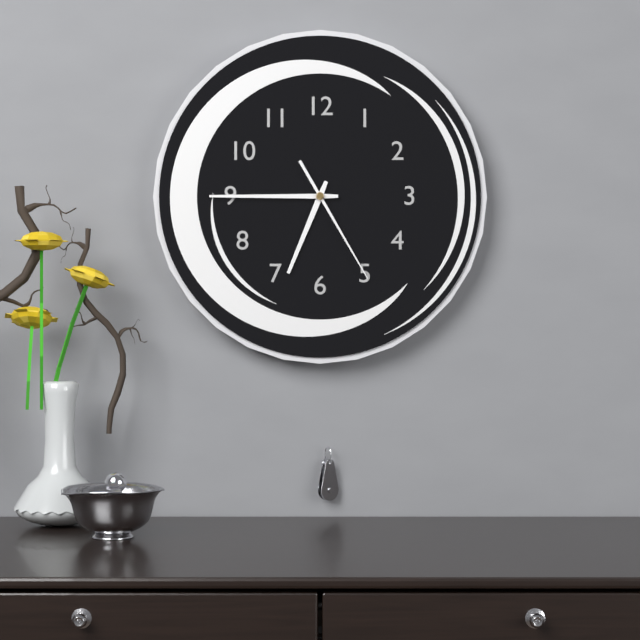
{"hour": 6, "minute": 45, "second": 25}
